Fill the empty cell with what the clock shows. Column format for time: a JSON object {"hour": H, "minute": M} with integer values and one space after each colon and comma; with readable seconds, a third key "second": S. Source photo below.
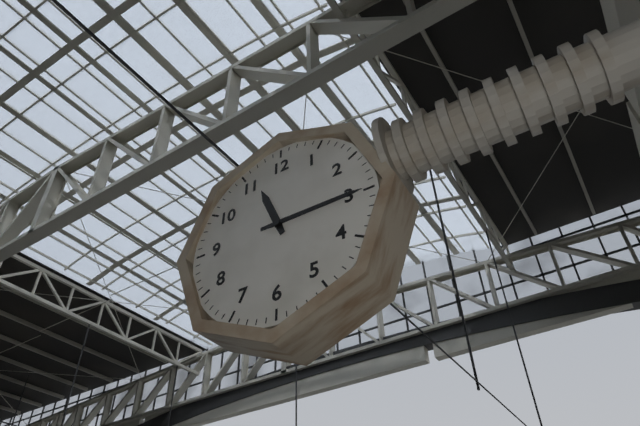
{"hour": 11, "minute": 15}
